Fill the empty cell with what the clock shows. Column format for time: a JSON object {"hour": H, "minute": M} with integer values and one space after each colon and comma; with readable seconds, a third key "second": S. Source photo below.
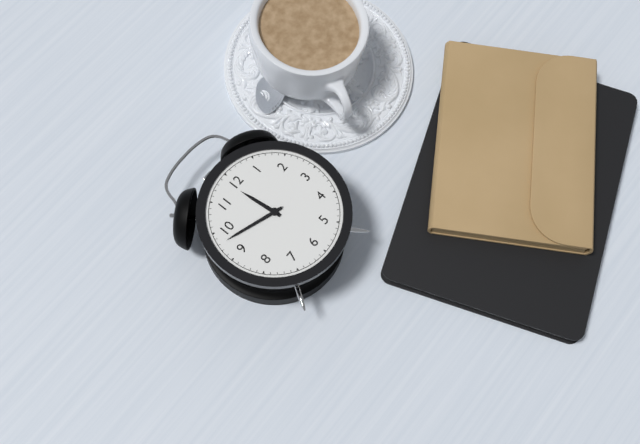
{"hour": 11, "minute": 48}
